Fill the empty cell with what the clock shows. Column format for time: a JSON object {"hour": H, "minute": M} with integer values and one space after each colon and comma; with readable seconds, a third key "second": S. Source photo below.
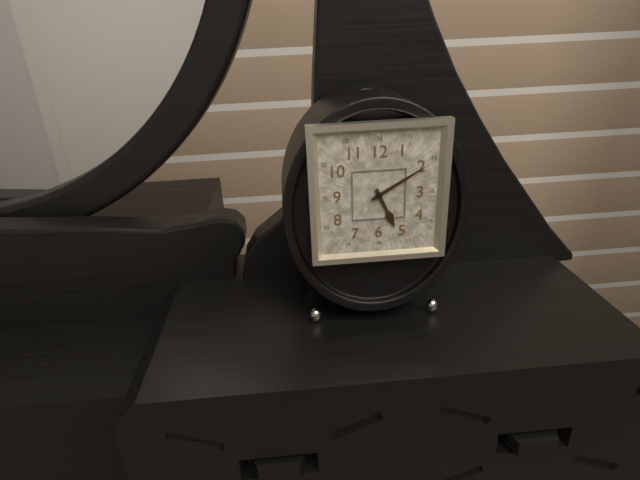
{"hour": 5, "minute": 10}
